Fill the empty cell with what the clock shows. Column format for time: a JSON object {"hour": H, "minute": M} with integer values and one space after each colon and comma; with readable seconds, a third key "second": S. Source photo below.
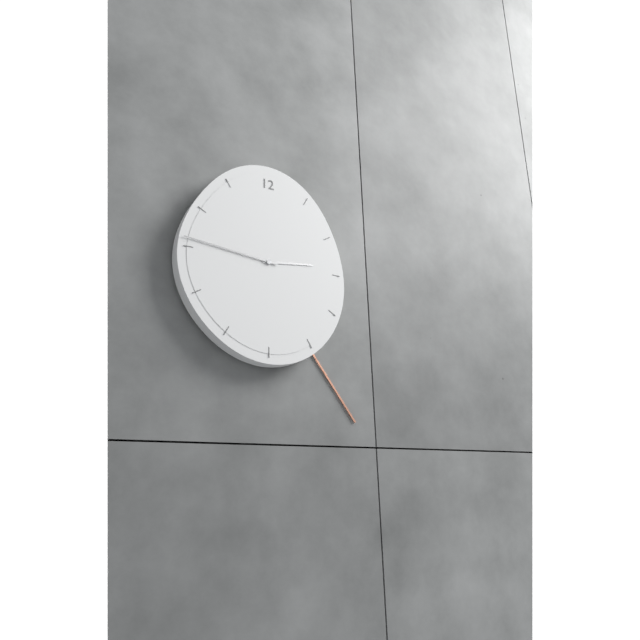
{"hour": 2, "minute": 46, "second": 24}
